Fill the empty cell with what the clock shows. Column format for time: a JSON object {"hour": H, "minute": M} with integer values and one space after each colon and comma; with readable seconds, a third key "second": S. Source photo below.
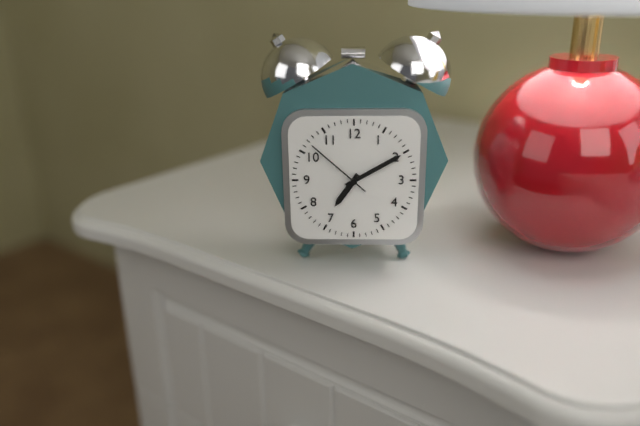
{"hour": 7, "minute": 10, "second": 52}
